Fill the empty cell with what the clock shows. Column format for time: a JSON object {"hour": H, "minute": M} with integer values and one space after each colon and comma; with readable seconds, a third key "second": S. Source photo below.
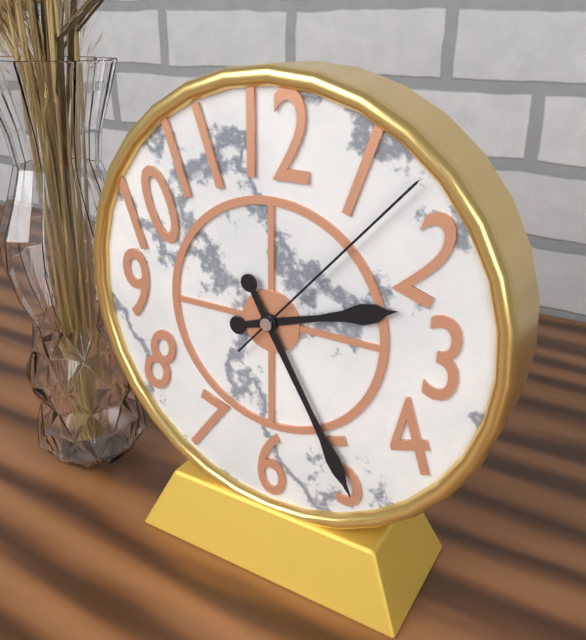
{"hour": 2, "minute": 25, "second": 7}
